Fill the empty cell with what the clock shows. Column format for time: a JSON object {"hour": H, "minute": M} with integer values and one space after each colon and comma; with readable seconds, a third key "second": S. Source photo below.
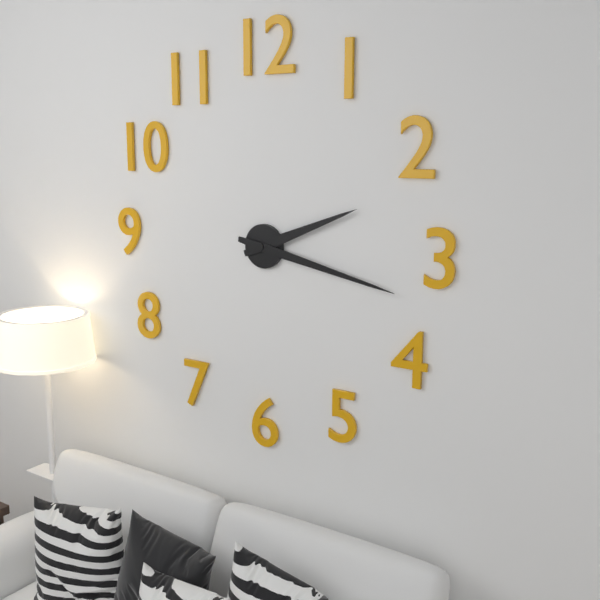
{"hour": 2, "minute": 17}
